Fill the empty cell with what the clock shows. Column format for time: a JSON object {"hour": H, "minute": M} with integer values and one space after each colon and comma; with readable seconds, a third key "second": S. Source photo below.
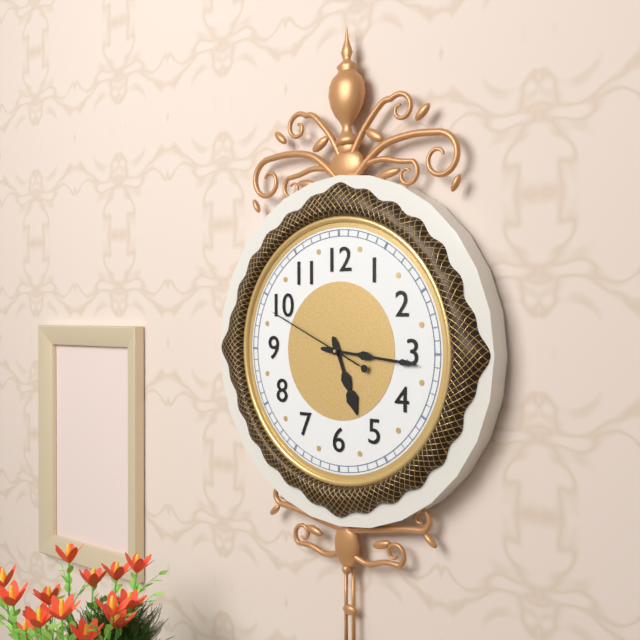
{"hour": 5, "minute": 16, "second": 49}
